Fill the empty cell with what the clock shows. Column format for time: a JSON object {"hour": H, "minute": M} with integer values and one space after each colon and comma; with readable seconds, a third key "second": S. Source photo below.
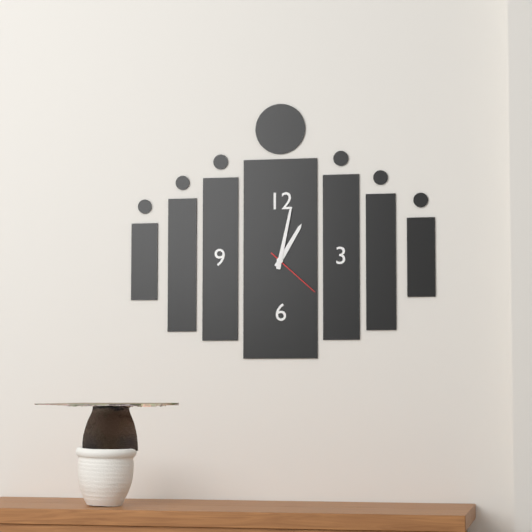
{"hour": 1, "minute": 2, "second": 22}
